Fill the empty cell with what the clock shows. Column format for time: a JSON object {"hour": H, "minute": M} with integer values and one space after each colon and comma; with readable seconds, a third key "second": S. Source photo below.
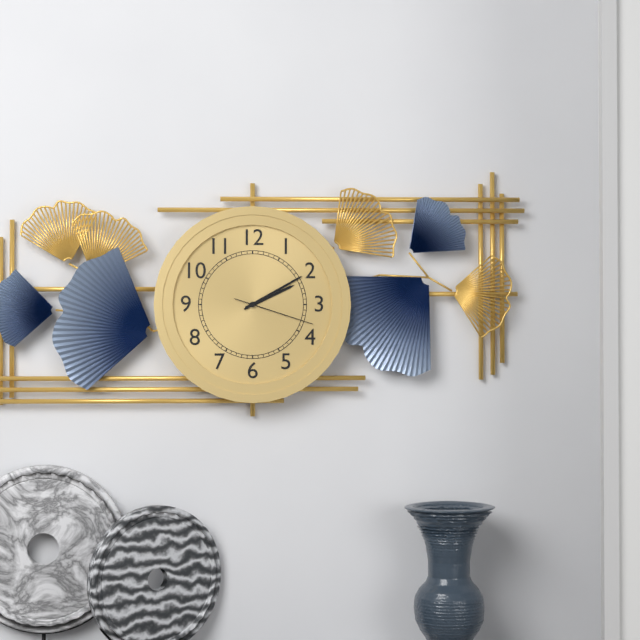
{"hour": 2, "minute": 10, "second": 18}
